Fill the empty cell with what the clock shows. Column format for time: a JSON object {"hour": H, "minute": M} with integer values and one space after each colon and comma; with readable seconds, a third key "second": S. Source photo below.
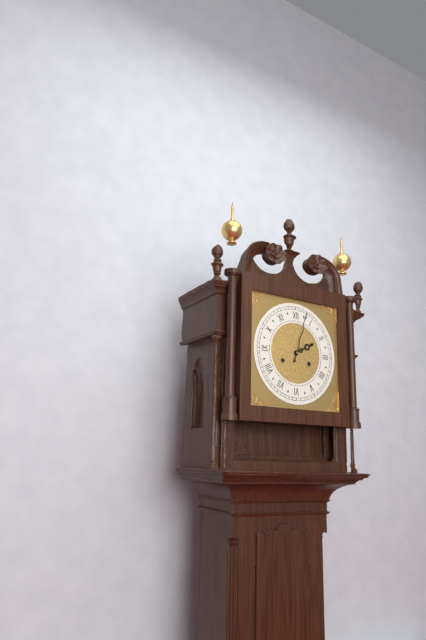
{"hour": 2, "minute": 3}
